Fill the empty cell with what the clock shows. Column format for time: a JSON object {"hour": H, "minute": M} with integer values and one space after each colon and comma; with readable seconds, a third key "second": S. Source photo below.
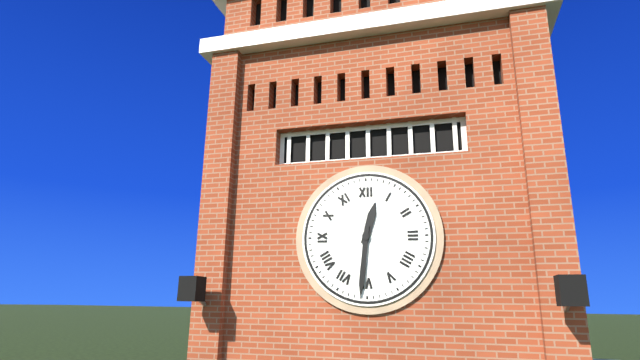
{"hour": 12, "minute": 31}
